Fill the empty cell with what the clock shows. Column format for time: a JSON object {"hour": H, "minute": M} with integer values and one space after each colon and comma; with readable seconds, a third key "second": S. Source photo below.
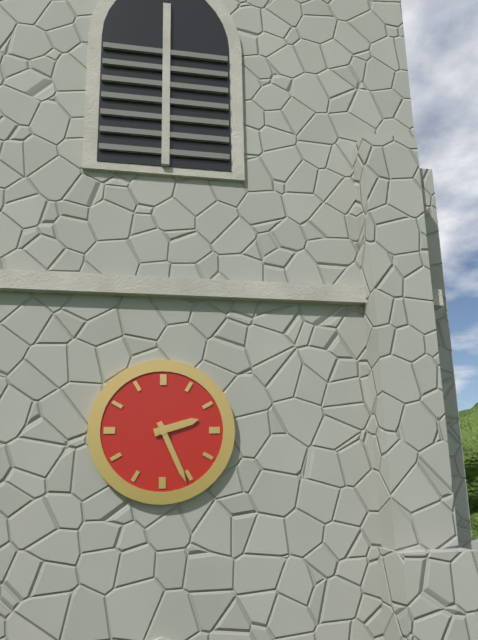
{"hour": 2, "minute": 26}
